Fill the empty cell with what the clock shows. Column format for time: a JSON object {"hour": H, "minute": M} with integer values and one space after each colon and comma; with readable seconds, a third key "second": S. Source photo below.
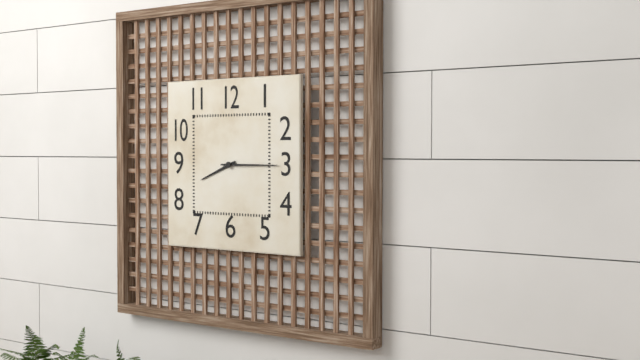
{"hour": 8, "minute": 15}
